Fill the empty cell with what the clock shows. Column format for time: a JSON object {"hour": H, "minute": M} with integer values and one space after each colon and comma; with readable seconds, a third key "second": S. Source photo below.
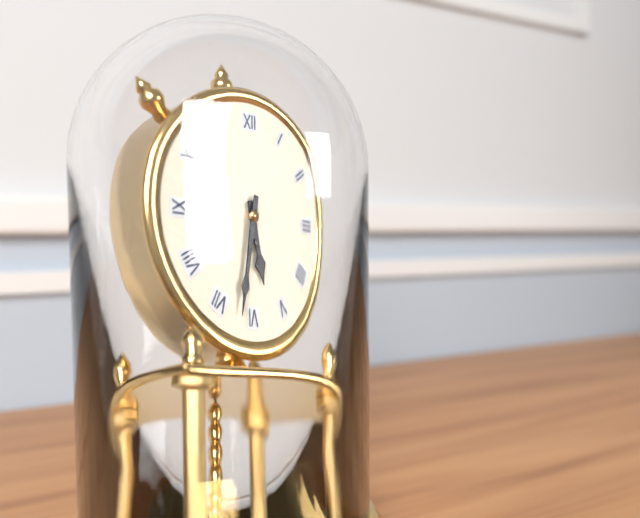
{"hour": 5, "minute": 32}
